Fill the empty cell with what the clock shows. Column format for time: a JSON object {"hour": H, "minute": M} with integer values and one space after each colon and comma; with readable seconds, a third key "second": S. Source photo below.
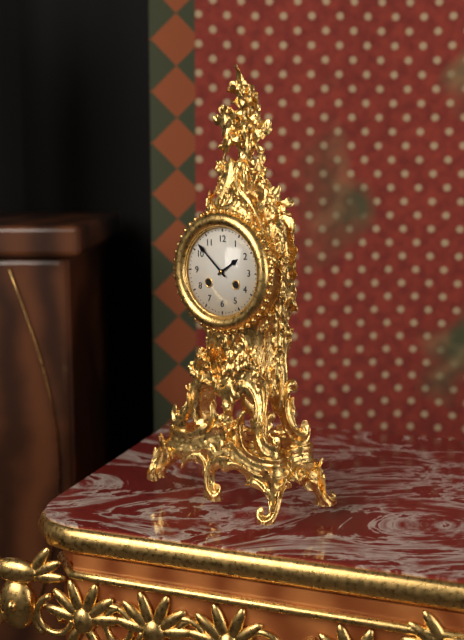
{"hour": 1, "minute": 52}
